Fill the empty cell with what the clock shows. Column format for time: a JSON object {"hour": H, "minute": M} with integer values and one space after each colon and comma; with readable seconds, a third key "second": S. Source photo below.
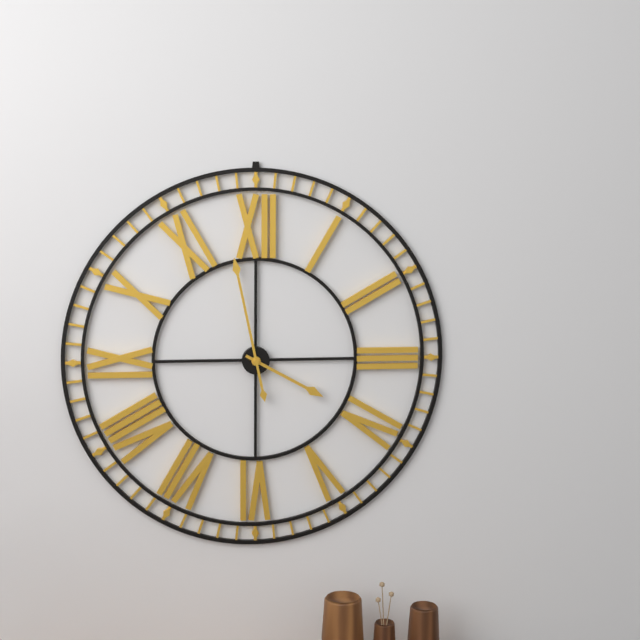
{"hour": 3, "minute": 58}
